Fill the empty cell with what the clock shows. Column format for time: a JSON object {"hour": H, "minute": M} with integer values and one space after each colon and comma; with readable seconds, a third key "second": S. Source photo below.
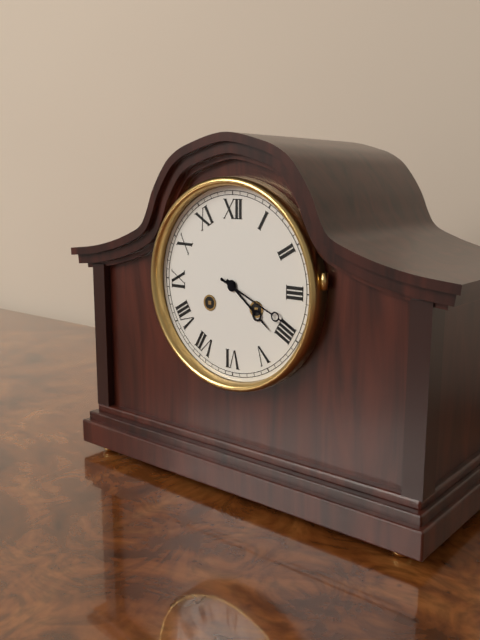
{"hour": 4, "minute": 19}
